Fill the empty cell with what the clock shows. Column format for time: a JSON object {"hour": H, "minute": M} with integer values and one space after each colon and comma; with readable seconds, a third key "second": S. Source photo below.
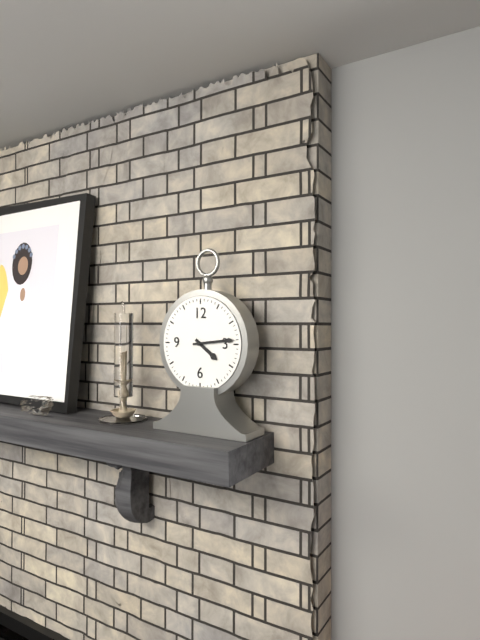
{"hour": 4, "minute": 14}
